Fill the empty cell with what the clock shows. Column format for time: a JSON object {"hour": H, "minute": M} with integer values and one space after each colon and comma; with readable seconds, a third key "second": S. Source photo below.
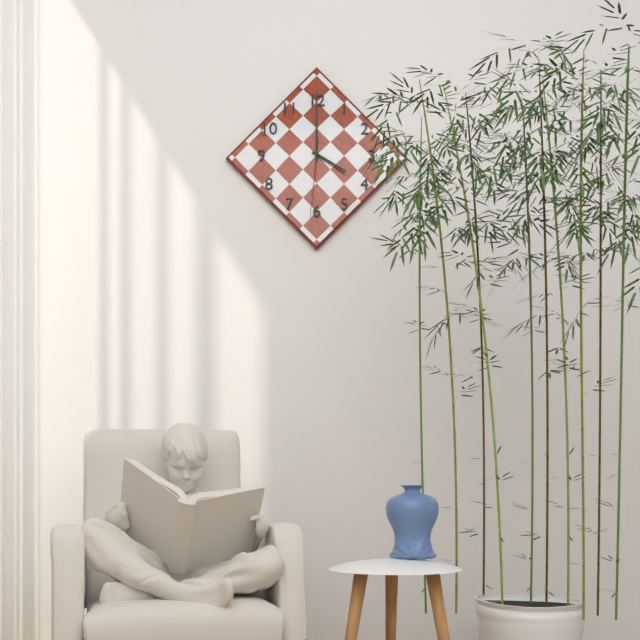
{"hour": 4, "minute": 0, "second": 31}
